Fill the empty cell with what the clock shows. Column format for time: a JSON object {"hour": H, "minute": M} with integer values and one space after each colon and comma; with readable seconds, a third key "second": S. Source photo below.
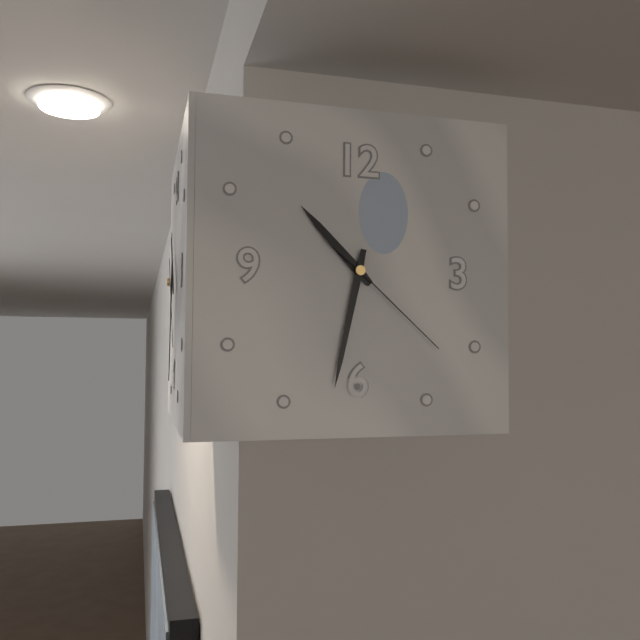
{"hour": 10, "minute": 32, "second": 22}
